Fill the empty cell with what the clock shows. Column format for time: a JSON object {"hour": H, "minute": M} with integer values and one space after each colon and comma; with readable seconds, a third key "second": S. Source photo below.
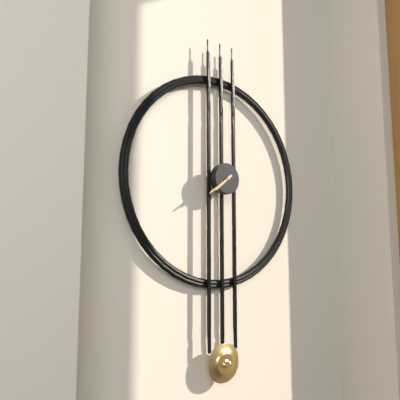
{"hour": 7, "minute": 39}
